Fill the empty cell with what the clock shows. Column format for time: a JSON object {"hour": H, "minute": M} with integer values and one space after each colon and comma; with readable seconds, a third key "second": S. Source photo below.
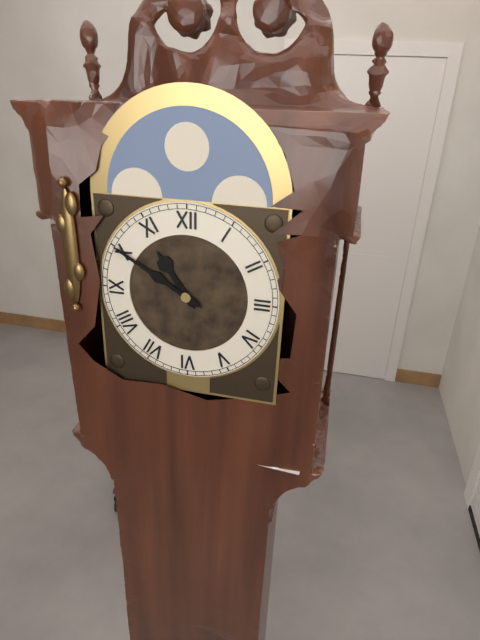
{"hour": 10, "minute": 50}
